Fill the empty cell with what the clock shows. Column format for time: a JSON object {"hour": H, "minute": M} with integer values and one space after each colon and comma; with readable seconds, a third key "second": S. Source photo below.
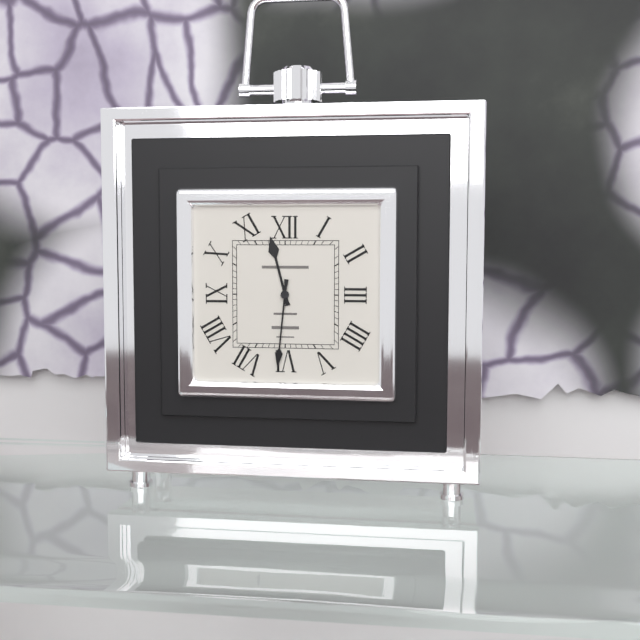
{"hour": 11, "minute": 31}
